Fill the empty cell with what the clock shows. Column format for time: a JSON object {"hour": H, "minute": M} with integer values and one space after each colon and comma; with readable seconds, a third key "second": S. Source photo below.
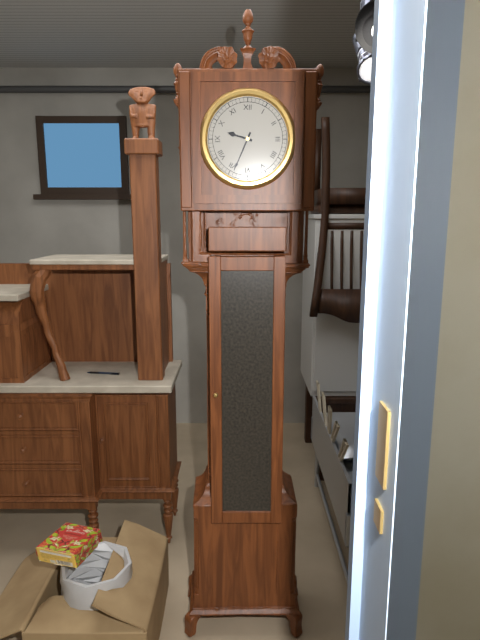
{"hour": 9, "minute": 34}
